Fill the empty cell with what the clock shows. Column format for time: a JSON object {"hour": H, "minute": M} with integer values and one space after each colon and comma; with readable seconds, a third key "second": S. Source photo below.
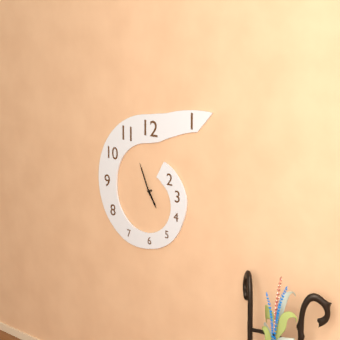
{"hour": 4, "minute": 56}
